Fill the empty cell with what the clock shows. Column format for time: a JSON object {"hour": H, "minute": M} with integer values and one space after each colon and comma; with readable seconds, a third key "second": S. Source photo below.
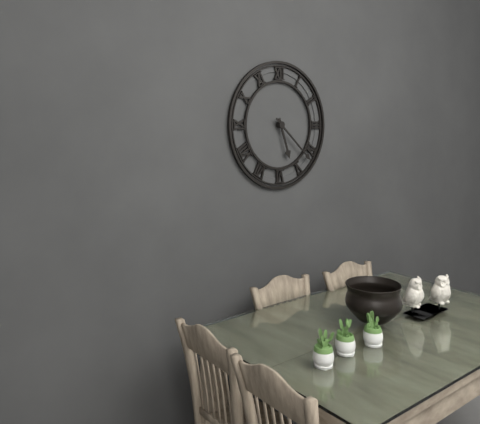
{"hour": 5, "minute": 22}
